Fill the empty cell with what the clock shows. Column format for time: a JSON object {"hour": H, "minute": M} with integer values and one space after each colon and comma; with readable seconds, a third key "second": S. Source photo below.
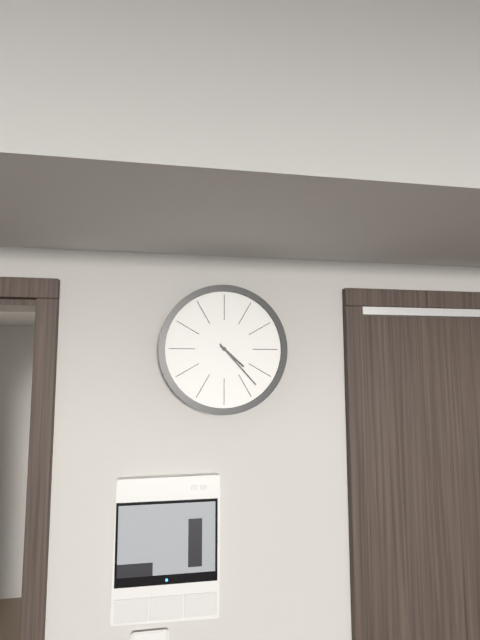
{"hour": 4, "minute": 23}
